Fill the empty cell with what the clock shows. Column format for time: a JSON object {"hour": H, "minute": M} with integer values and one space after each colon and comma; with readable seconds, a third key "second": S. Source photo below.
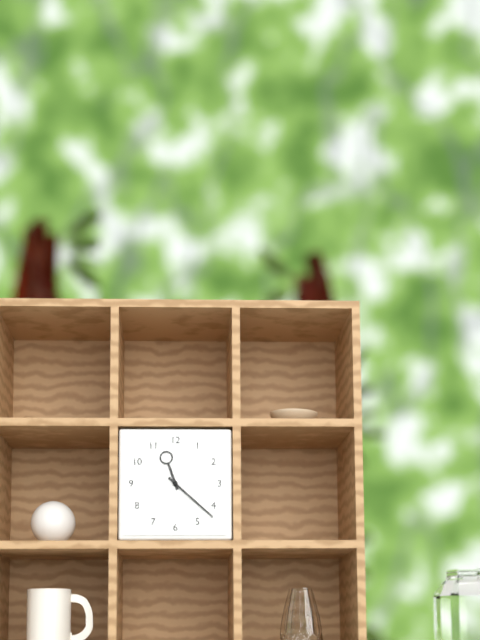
{"hour": 11, "minute": 22}
